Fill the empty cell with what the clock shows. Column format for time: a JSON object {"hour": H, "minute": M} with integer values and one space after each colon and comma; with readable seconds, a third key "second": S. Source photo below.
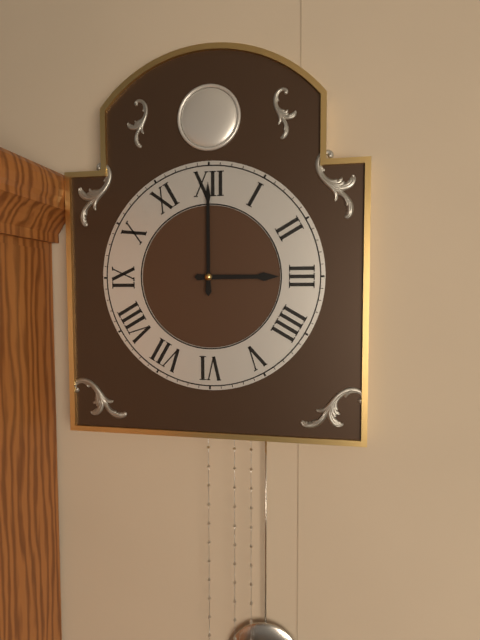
{"hour": 3, "minute": 0}
